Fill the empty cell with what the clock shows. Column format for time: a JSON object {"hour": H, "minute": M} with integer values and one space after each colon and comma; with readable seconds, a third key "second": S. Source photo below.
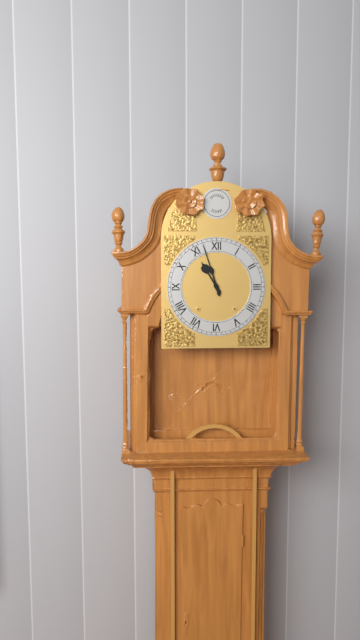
{"hour": 10, "minute": 57}
